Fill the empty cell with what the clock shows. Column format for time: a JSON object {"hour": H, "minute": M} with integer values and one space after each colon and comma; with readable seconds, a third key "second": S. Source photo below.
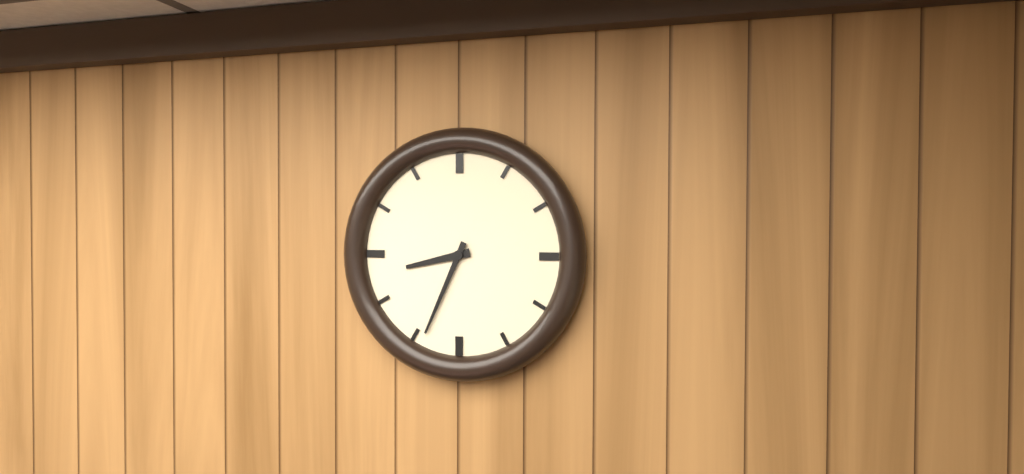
{"hour": 8, "minute": 34}
